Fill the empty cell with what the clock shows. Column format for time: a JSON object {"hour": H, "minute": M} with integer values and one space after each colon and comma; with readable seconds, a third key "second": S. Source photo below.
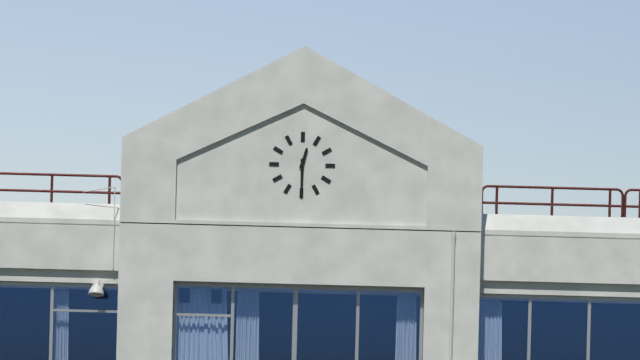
{"hour": 12, "minute": 30}
